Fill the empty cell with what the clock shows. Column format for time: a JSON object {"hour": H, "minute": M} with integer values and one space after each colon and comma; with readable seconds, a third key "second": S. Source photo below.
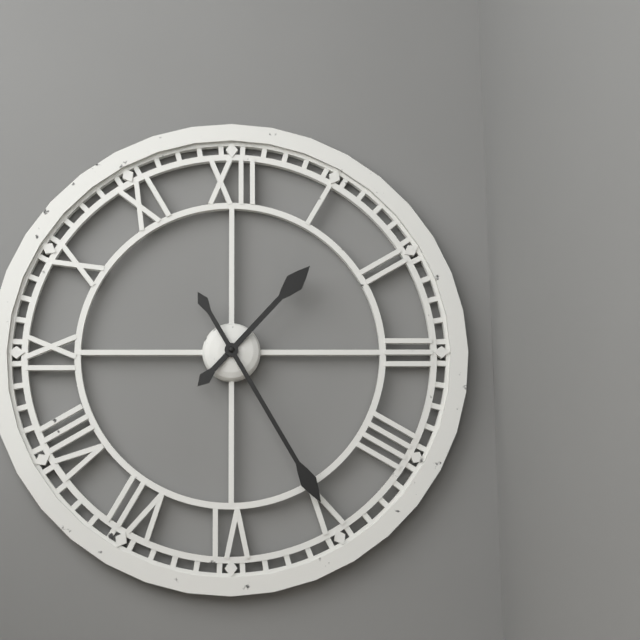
{"hour": 1, "minute": 25}
